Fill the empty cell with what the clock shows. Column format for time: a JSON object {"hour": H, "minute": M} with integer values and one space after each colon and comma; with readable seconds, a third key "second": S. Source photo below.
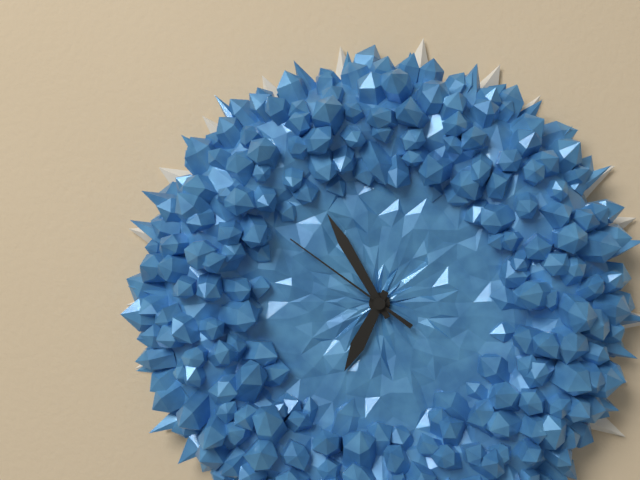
{"hour": 6, "minute": 55, "second": 51}
